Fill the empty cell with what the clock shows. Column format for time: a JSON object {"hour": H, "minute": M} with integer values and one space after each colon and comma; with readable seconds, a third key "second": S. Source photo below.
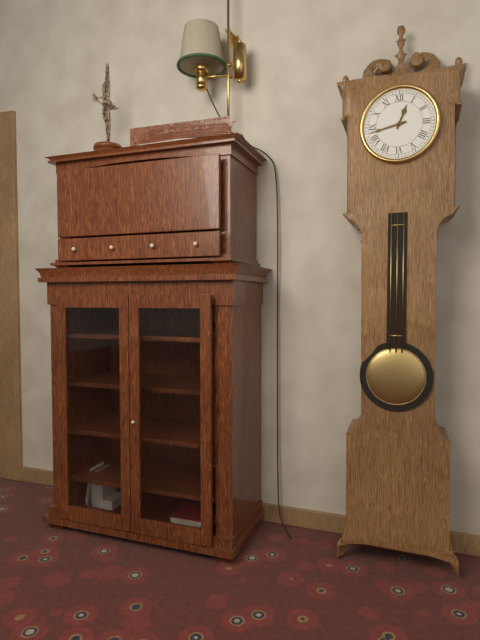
{"hour": 12, "minute": 43}
